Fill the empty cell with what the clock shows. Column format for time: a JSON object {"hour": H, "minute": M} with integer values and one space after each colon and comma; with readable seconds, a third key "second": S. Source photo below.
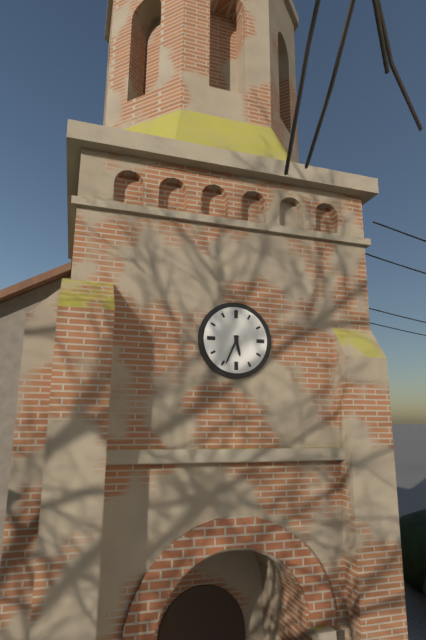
{"hour": 5, "minute": 34}
